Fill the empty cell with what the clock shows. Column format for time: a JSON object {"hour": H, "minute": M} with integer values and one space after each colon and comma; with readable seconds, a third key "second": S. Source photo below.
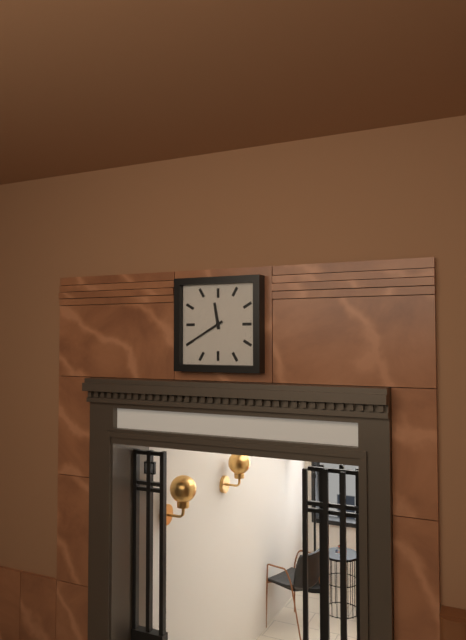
{"hour": 11, "minute": 40}
